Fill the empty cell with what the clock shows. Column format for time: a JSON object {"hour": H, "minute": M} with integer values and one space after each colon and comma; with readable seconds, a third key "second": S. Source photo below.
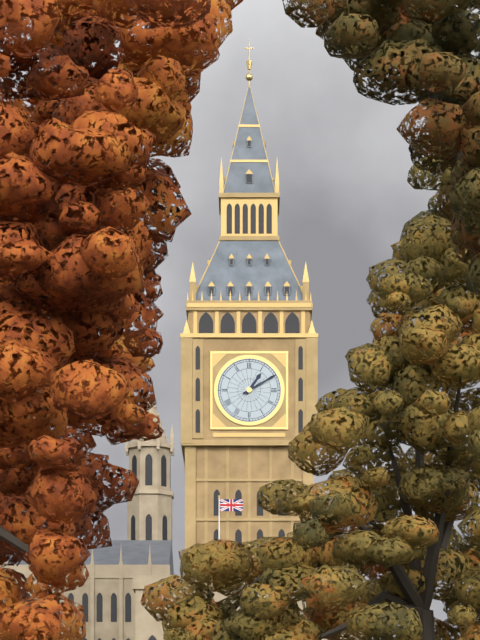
{"hour": 1, "minute": 10}
